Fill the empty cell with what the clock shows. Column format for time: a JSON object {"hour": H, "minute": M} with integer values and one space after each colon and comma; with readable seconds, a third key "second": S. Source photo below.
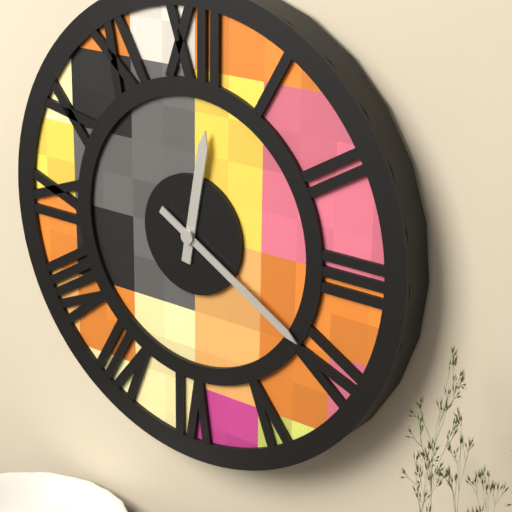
{"hour": 12, "minute": 20}
